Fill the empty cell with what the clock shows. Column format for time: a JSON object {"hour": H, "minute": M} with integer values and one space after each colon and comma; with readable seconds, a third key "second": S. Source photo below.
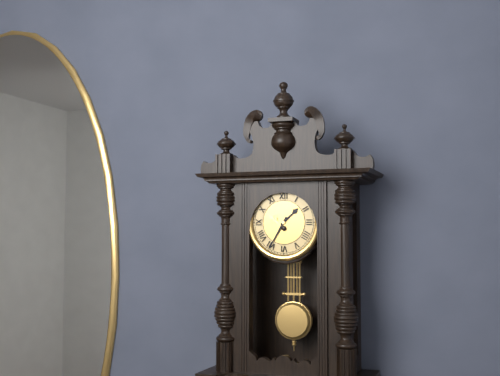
{"hour": 1, "minute": 35}
